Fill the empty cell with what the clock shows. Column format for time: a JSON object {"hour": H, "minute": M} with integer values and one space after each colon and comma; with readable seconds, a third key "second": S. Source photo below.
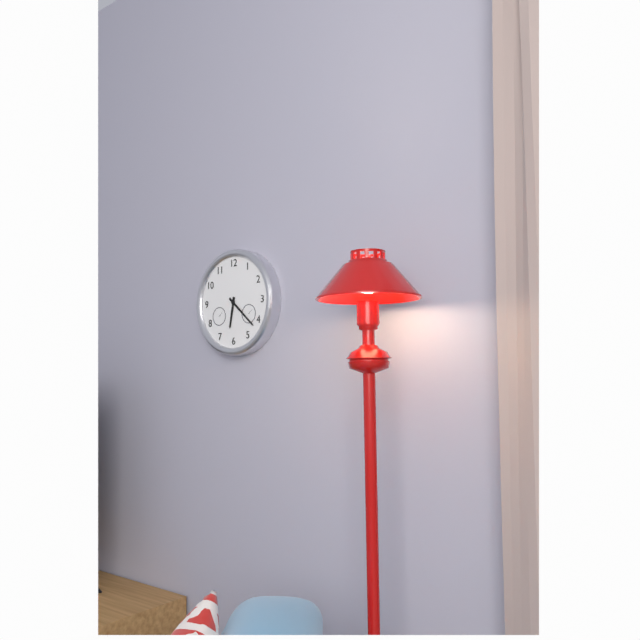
{"hour": 6, "minute": 22}
